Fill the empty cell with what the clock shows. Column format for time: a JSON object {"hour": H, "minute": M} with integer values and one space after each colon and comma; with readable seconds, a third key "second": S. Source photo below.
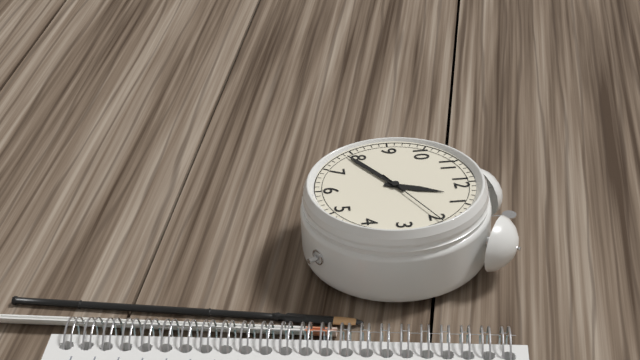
{"hour": 12, "minute": 39, "second": 10}
